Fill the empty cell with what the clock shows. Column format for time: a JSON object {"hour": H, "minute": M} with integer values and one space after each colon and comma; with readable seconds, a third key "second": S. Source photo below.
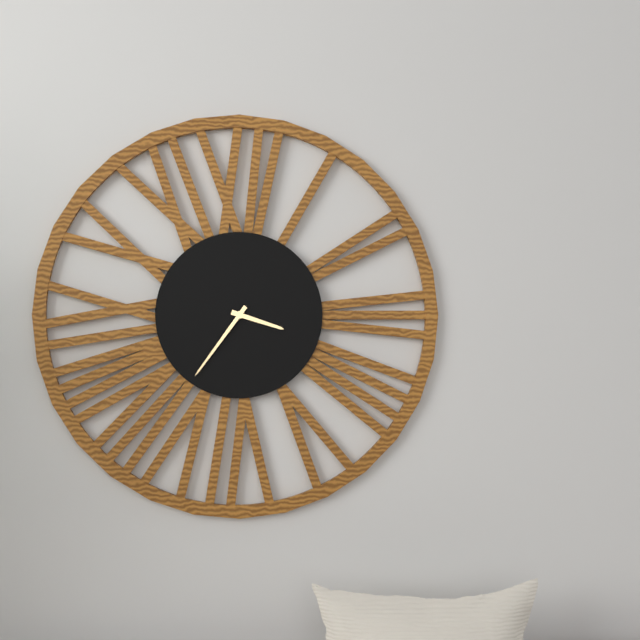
{"hour": 3, "minute": 36}
